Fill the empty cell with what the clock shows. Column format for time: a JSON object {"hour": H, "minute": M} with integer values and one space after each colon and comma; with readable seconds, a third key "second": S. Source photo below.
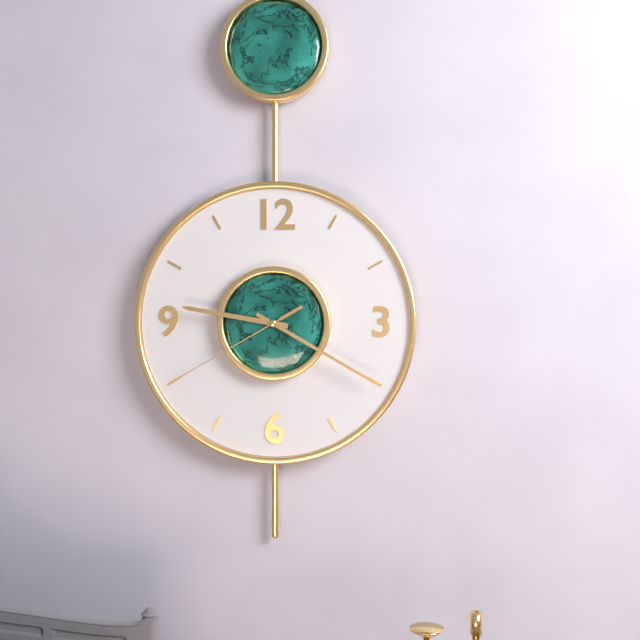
{"hour": 9, "minute": 20, "second": 40}
